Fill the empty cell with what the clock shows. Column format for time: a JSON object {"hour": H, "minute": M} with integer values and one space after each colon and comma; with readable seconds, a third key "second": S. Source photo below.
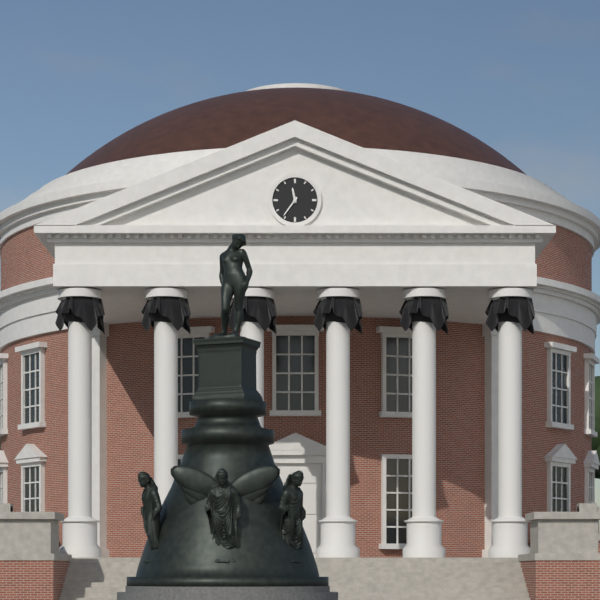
{"hour": 11, "minute": 36}
